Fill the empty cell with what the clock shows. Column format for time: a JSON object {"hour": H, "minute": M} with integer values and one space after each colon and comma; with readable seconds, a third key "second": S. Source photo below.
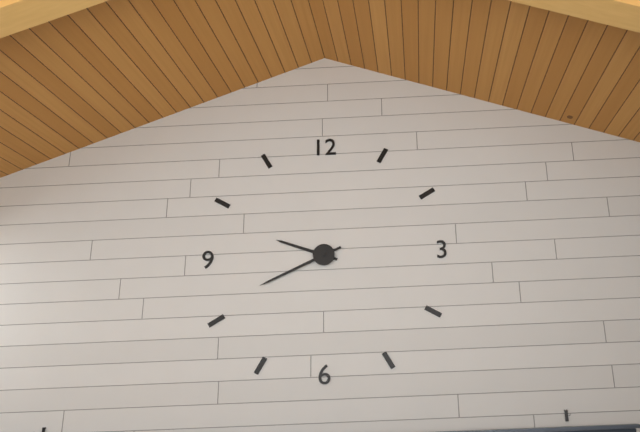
{"hour": 9, "minute": 41}
